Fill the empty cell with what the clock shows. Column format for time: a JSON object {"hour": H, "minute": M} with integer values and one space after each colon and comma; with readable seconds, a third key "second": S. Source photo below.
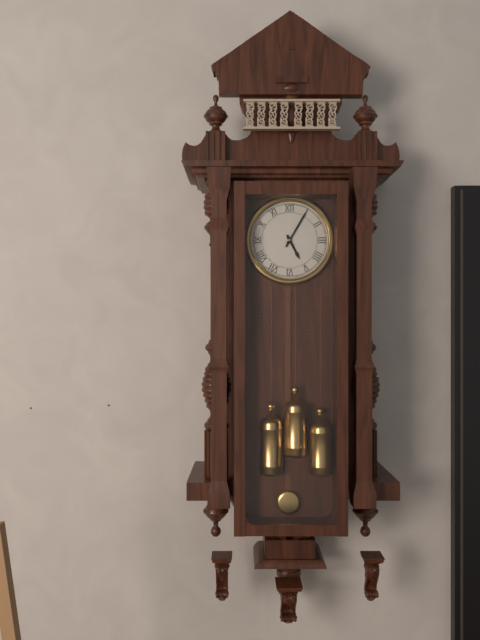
{"hour": 5, "minute": 5}
